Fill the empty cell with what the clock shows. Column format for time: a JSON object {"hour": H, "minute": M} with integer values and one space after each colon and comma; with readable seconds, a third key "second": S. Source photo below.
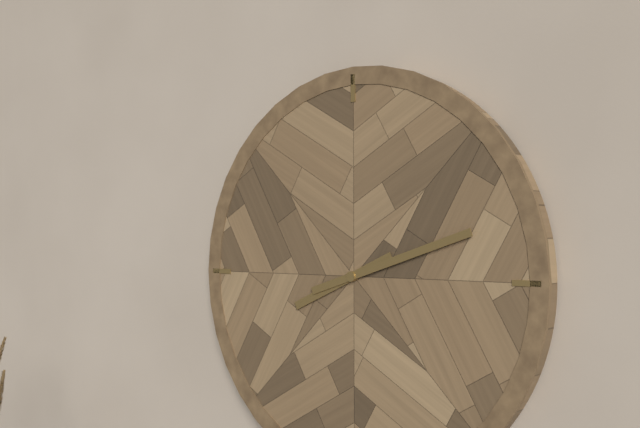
{"hour": 8, "minute": 12}
